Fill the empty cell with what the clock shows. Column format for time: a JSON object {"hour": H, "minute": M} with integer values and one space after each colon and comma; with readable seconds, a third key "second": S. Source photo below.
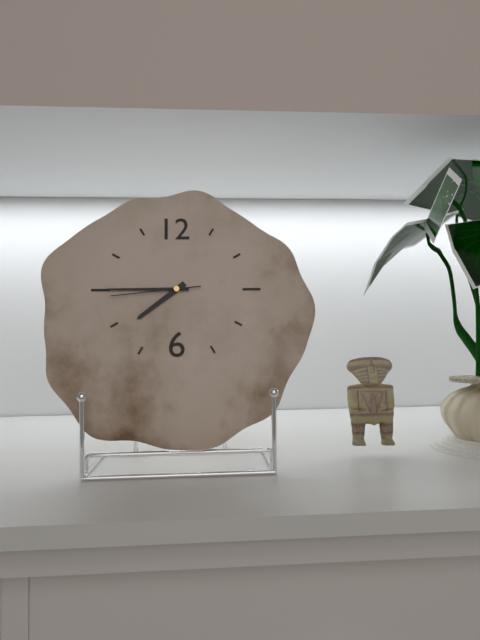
{"hour": 7, "minute": 45, "second": 44}
